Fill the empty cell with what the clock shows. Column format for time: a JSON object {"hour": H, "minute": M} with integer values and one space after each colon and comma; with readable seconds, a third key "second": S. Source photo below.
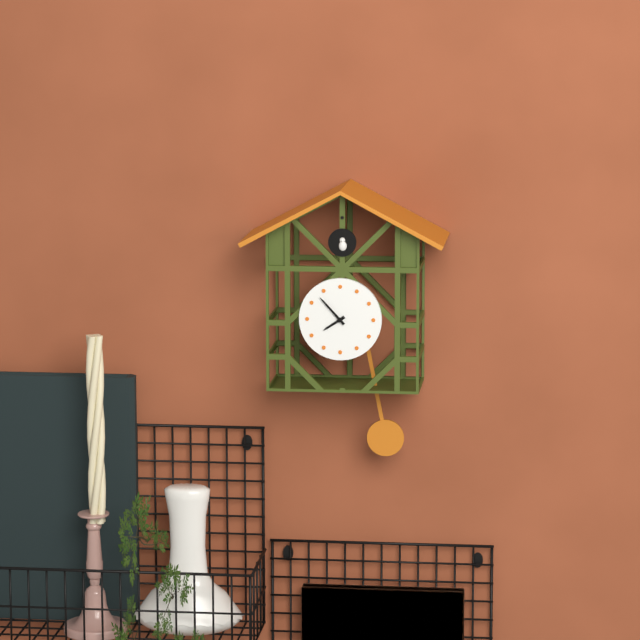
{"hour": 7, "minute": 53}
